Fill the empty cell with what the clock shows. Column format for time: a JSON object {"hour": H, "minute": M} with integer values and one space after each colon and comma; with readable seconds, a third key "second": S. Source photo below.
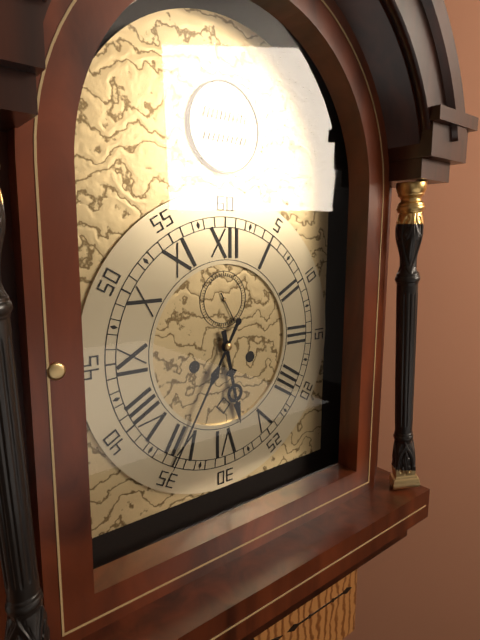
{"hour": 5, "minute": 35}
